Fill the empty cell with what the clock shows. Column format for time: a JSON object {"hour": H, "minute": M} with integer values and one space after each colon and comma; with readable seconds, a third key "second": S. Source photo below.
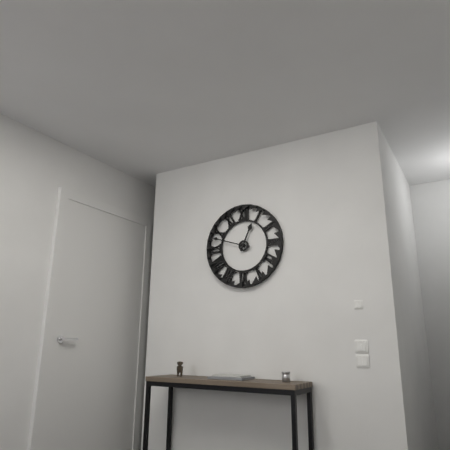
{"hour": 12, "minute": 48}
